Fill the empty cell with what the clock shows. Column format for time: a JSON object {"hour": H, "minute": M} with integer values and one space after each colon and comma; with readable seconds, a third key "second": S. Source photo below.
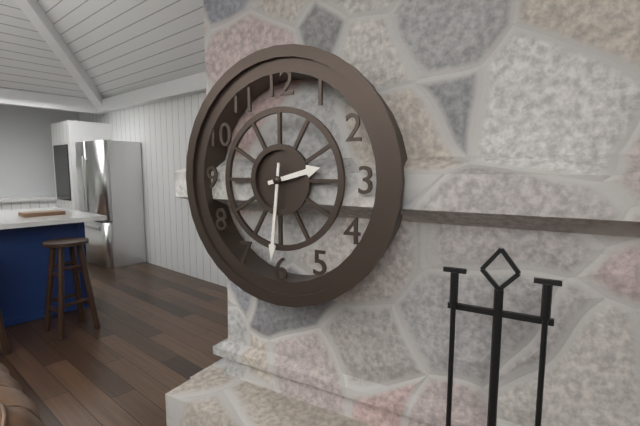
{"hour": 2, "minute": 31}
